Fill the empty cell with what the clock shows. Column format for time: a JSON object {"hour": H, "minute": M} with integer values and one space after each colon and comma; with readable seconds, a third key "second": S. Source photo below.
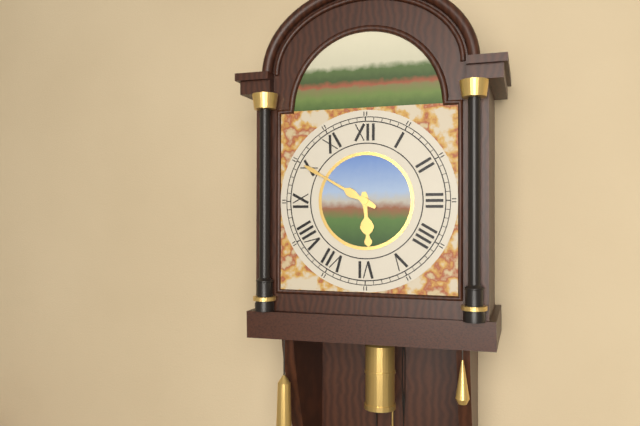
{"hour": 5, "minute": 50}
